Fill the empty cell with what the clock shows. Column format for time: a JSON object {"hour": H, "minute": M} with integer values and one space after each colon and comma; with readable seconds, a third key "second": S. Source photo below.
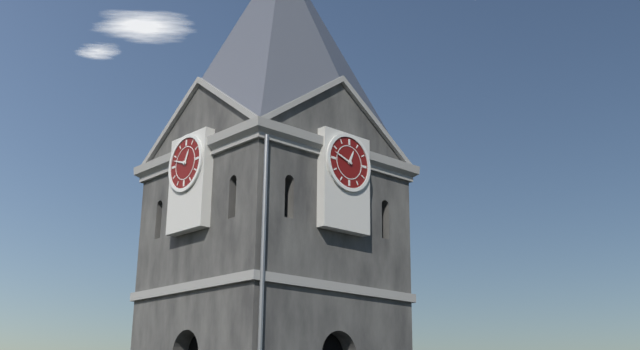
{"hour": 12, "minute": 48}
